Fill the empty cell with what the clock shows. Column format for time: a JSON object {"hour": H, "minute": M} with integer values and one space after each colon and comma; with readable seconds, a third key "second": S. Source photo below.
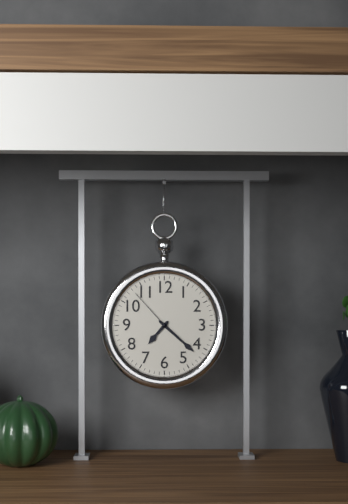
{"hour": 7, "minute": 22, "second": 53}
